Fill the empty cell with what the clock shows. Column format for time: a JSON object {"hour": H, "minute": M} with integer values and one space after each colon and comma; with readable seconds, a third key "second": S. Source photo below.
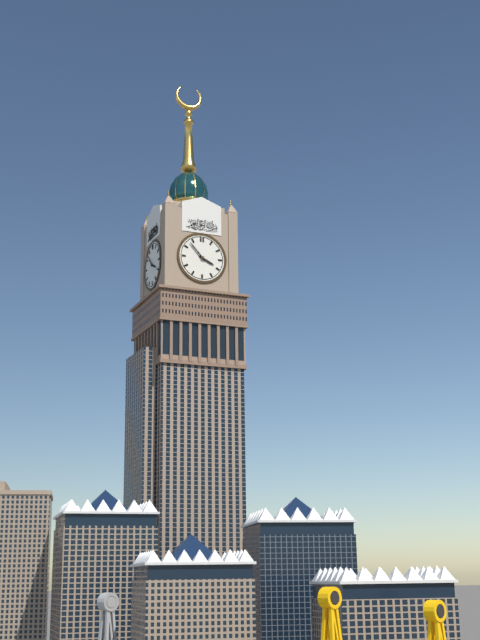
{"hour": 3, "minute": 53}
